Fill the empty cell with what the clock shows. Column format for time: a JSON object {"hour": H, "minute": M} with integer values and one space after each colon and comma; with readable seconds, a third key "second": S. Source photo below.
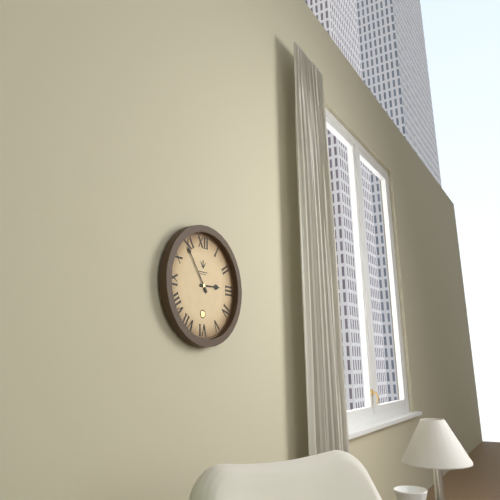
{"hour": 2, "minute": 54}
